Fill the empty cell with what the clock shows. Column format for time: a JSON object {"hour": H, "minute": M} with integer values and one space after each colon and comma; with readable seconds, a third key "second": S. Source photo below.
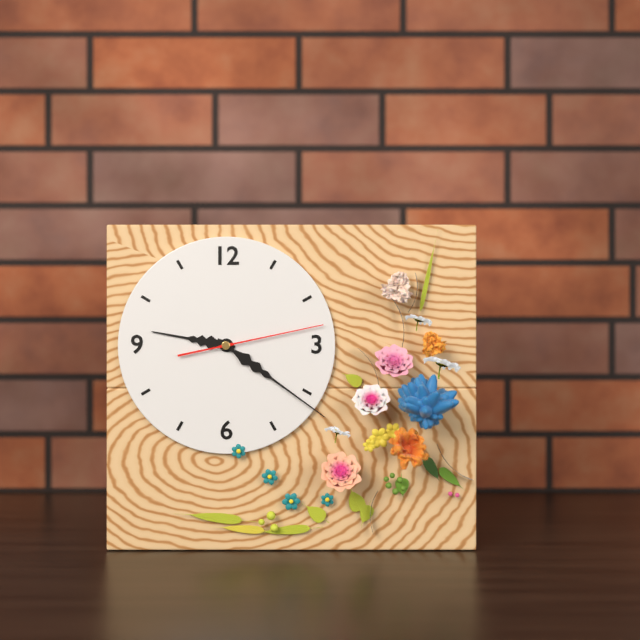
{"hour": 9, "minute": 21, "second": 13}
